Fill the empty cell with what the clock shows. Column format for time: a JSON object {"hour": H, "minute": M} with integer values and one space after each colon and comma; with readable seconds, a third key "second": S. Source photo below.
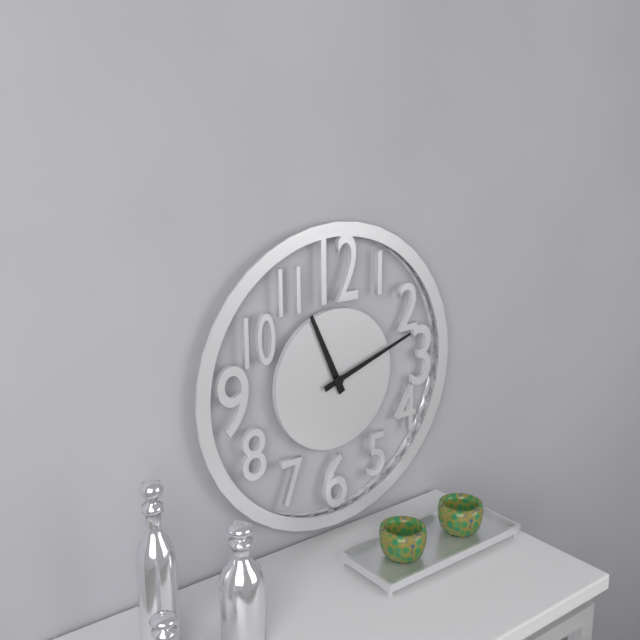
{"hour": 11, "minute": 12}
